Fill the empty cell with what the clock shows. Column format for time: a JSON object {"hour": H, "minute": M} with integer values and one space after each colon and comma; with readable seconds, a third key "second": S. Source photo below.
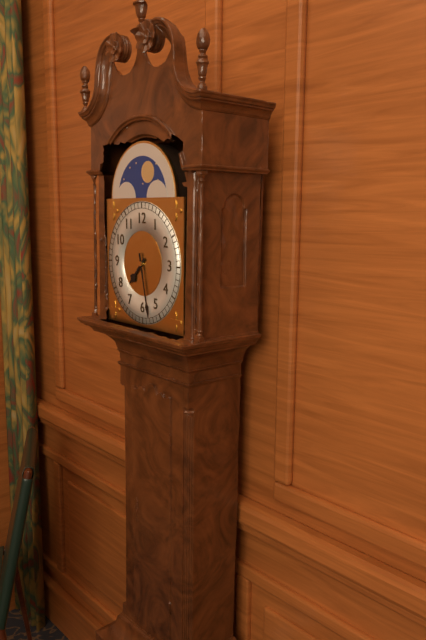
{"hour": 7, "minute": 28}
